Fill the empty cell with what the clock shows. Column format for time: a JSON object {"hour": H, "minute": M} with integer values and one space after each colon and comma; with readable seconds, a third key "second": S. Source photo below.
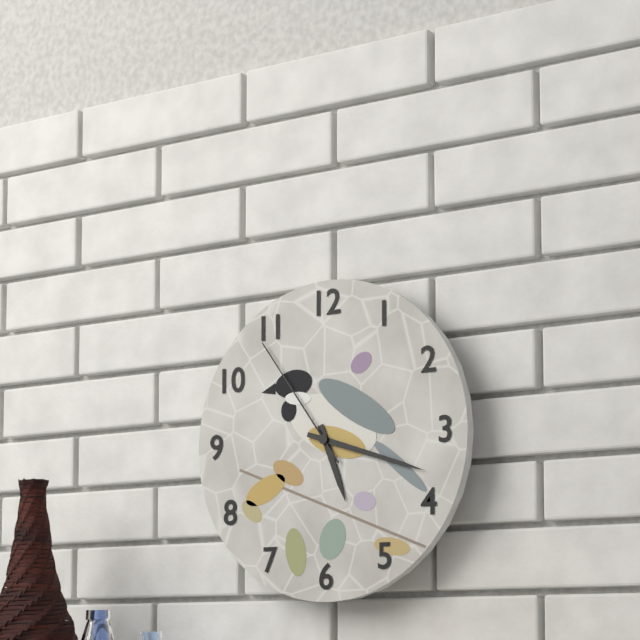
{"hour": 5, "minute": 18, "second": 54}
